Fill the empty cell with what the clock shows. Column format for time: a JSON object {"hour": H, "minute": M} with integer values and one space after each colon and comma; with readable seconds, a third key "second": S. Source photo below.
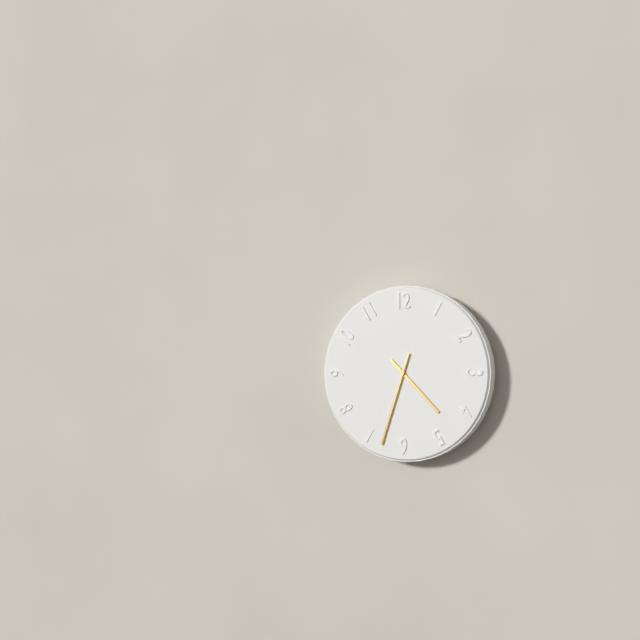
{"hour": 4, "minute": 33}
